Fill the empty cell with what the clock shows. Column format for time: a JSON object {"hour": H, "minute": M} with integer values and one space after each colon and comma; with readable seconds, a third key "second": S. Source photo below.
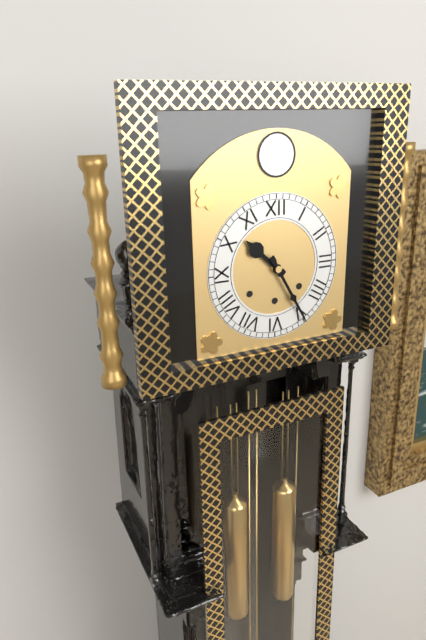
{"hour": 10, "minute": 25}
